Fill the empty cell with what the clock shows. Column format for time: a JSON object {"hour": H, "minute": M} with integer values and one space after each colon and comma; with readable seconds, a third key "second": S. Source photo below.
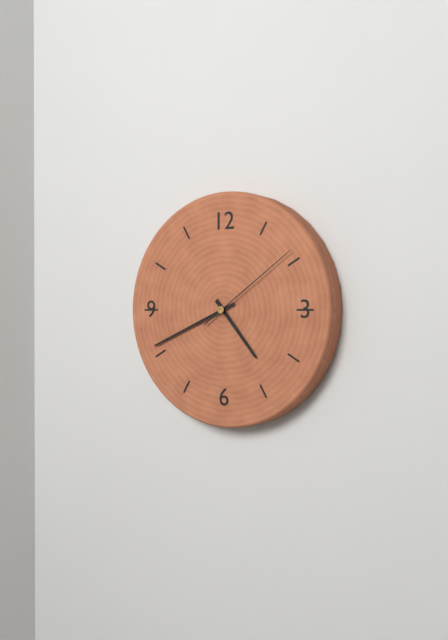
{"hour": 4, "minute": 41, "second": 9}
